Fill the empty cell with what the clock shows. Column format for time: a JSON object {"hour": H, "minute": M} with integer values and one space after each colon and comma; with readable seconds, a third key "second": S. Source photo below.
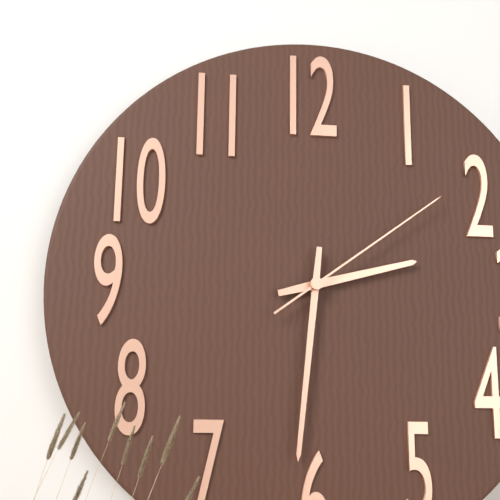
{"hour": 2, "minute": 31, "second": 9}
